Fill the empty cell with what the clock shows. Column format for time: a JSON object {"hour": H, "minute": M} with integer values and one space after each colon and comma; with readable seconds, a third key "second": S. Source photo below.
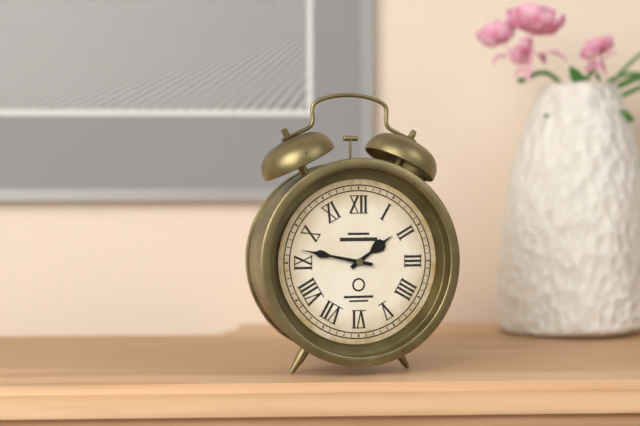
{"hour": 1, "minute": 47}
